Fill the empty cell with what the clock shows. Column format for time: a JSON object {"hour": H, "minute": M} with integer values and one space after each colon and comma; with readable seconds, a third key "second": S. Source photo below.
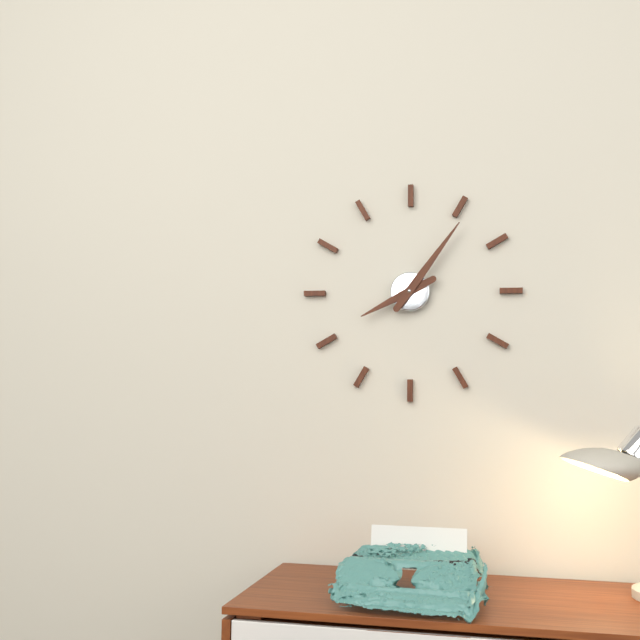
{"hour": 8, "minute": 6}
